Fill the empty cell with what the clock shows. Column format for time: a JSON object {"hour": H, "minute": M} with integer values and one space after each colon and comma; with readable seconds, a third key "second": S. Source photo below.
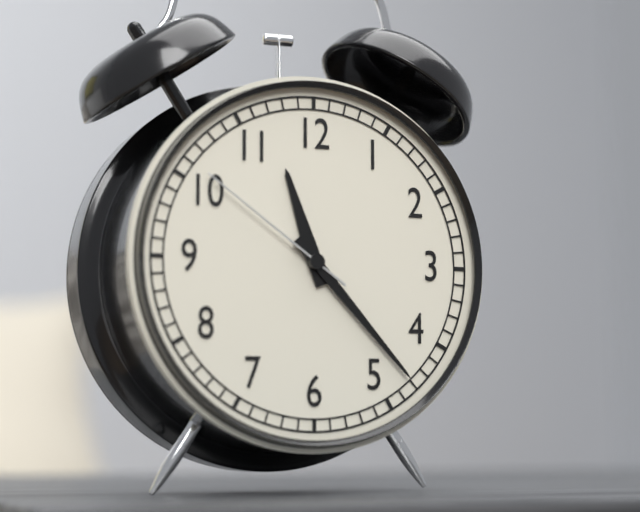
{"hour": 11, "minute": 23, "second": 51}
